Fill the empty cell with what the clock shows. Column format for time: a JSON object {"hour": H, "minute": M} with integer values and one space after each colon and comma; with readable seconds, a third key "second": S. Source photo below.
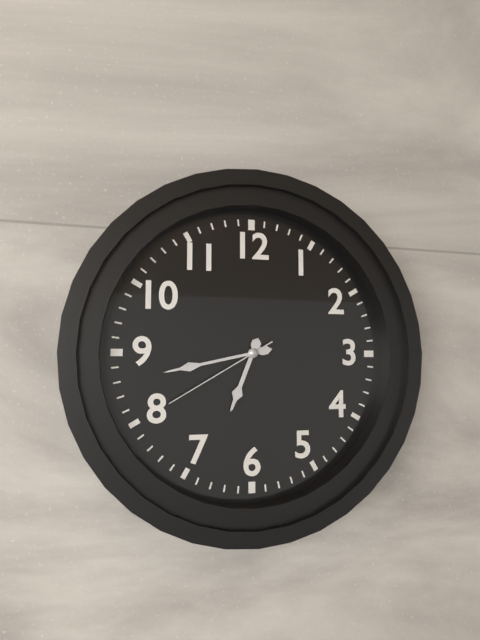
{"hour": 6, "minute": 43, "second": 40}
